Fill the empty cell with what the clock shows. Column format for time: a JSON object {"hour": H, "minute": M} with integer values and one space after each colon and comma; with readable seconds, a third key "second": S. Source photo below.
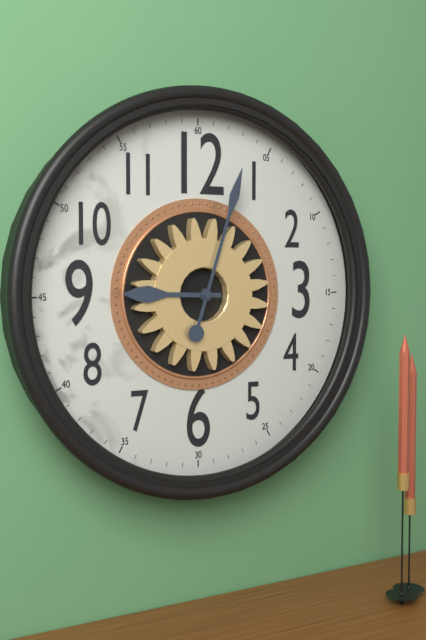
{"hour": 9, "minute": 3}
